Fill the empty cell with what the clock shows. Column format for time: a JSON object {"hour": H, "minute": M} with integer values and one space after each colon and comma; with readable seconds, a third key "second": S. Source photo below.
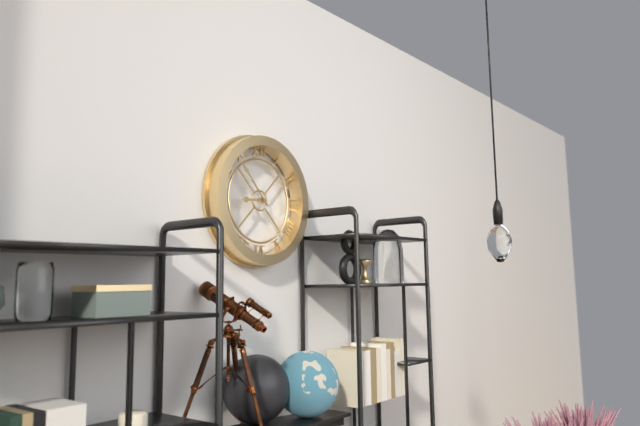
{"hour": 8, "minute": 53}
